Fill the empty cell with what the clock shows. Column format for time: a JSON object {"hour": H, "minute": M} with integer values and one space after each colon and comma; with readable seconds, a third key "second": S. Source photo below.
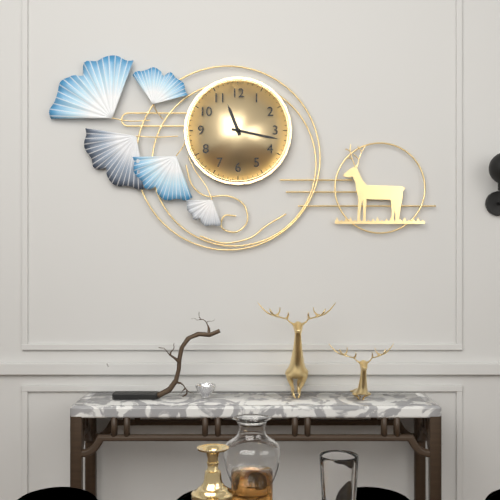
{"hour": 11, "minute": 17}
